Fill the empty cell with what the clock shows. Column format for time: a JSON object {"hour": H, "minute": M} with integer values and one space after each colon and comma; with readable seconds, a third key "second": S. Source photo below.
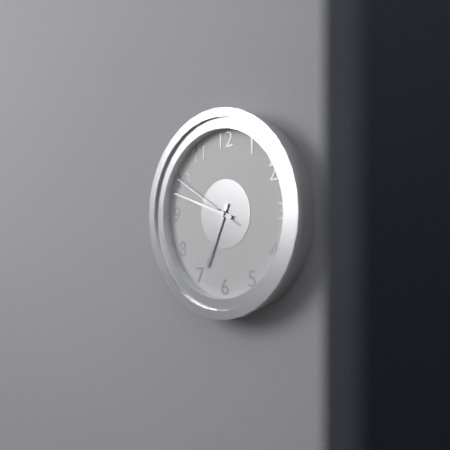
{"hour": 6, "minute": 48, "second": 50}
